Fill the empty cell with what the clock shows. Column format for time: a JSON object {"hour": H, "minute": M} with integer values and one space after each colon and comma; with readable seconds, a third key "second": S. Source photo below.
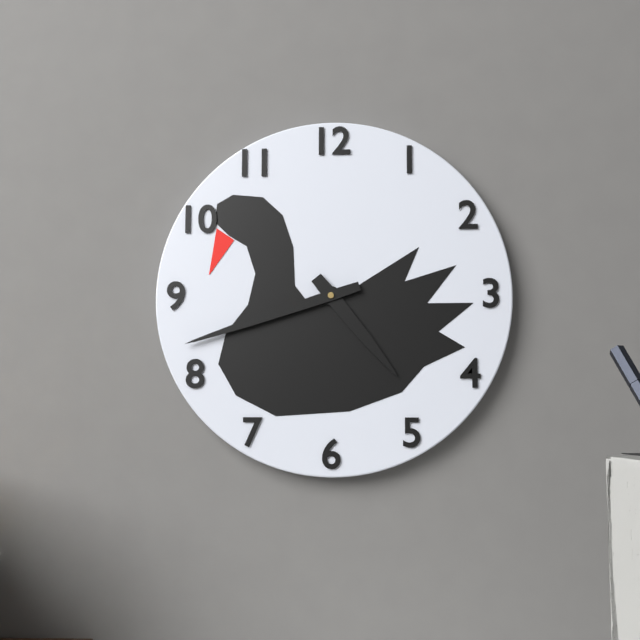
{"hour": 4, "minute": 42}
